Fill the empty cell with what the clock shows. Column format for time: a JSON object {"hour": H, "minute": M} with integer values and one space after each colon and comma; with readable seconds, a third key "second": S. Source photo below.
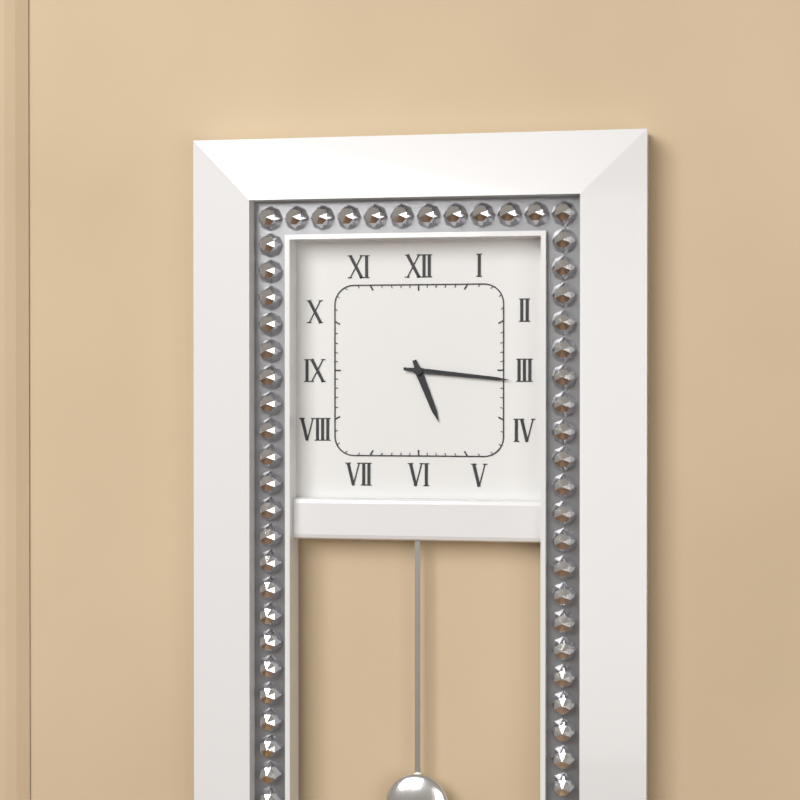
{"hour": 5, "minute": 16}
